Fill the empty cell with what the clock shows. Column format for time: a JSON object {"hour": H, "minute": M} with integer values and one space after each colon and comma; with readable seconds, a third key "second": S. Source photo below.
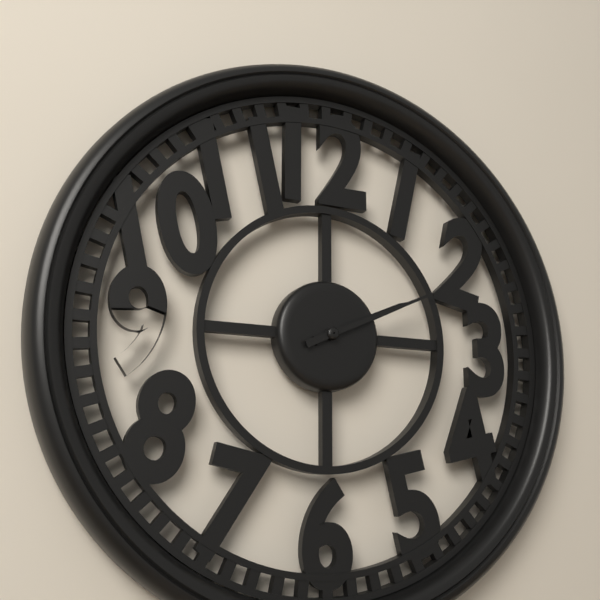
{"hour": 2, "minute": 11}
